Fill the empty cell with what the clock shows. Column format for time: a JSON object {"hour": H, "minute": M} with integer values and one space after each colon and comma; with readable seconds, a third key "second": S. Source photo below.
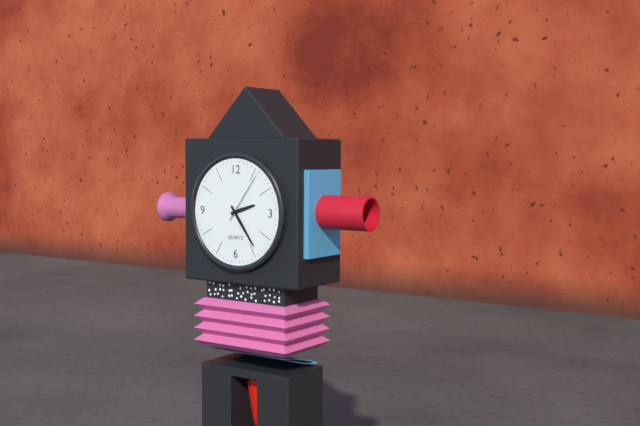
{"hour": 2, "minute": 24, "second": 6}
